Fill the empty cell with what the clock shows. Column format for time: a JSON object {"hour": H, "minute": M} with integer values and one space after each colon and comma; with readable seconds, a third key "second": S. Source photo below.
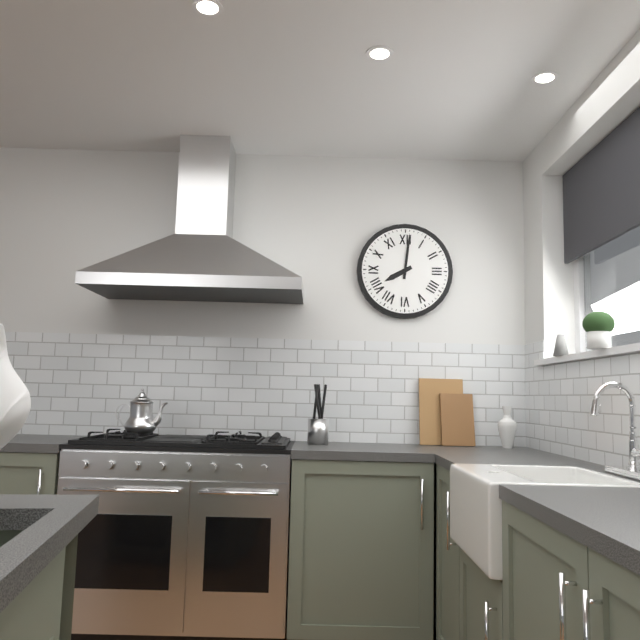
{"hour": 8, "minute": 1}
